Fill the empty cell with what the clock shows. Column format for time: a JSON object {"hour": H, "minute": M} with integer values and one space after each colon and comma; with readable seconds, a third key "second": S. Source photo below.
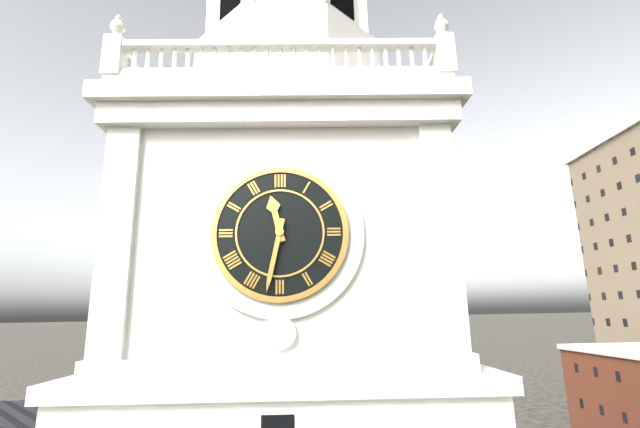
{"hour": 11, "minute": 32}
